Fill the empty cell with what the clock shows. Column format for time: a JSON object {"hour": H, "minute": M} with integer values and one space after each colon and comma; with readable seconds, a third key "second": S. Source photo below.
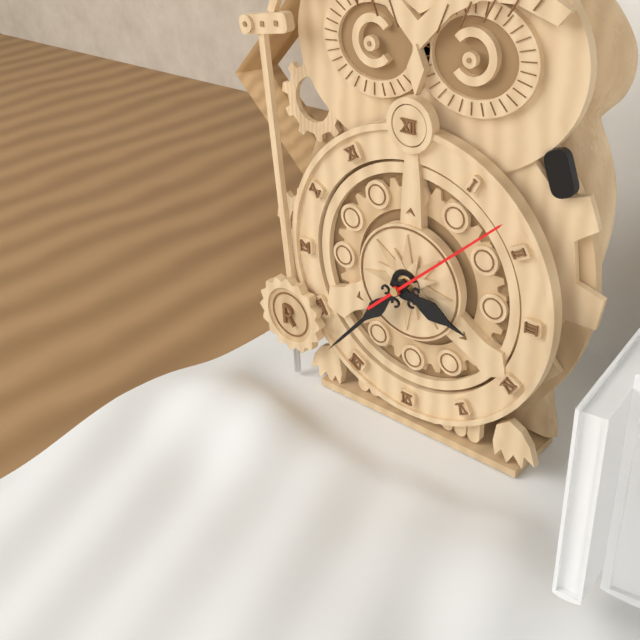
{"hour": 3, "minute": 37, "second": 8}
